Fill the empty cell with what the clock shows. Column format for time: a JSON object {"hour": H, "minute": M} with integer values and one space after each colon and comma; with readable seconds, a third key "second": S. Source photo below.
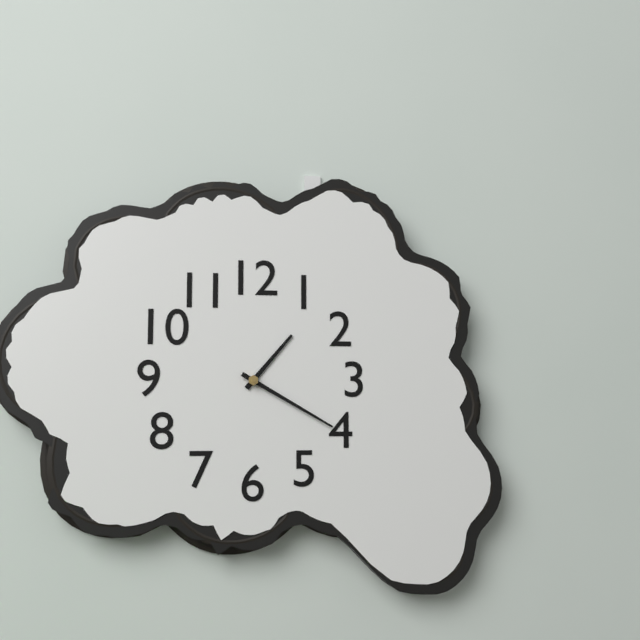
{"hour": 1, "minute": 20}
